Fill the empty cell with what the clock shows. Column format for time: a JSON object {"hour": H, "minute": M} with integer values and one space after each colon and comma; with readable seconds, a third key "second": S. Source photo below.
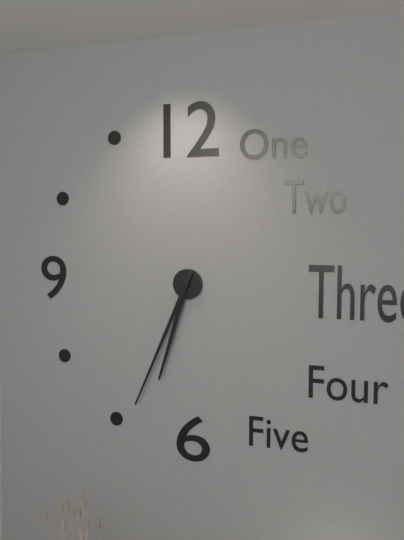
{"hour": 6, "minute": 34}
